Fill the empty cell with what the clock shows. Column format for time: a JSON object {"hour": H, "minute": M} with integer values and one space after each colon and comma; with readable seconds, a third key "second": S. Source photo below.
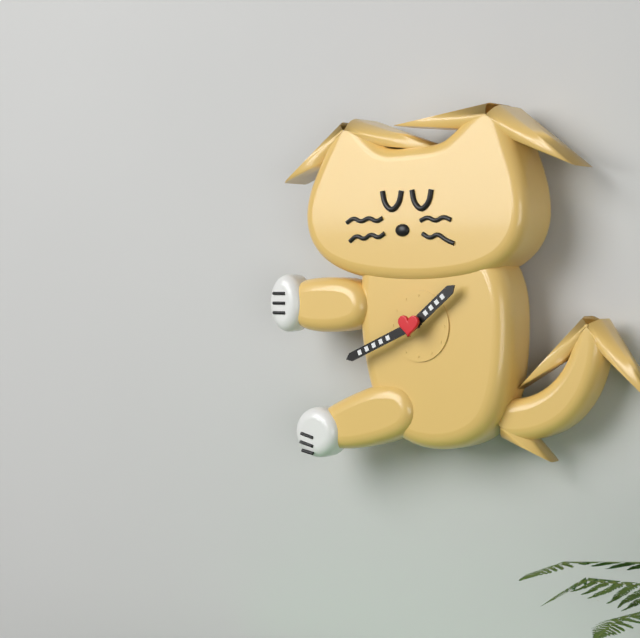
{"hour": 1, "minute": 41}
